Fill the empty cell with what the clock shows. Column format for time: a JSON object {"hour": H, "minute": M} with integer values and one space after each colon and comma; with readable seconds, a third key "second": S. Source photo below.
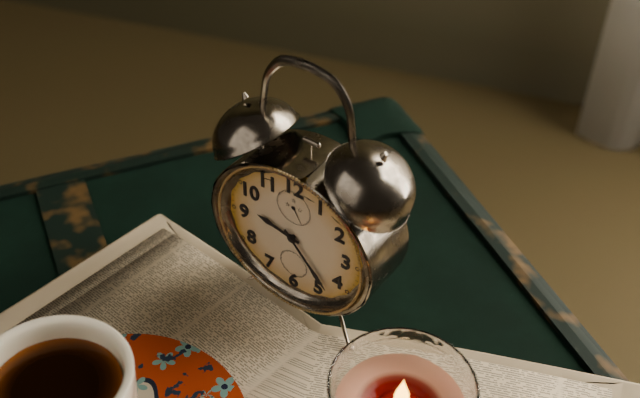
{"hour": 9, "minute": 23}
